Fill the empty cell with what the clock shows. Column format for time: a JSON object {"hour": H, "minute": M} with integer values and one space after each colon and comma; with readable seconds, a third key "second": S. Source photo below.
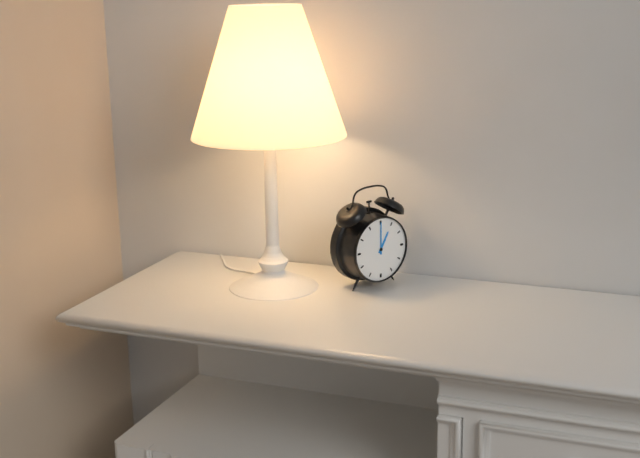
{"hour": 1, "minute": 0}
